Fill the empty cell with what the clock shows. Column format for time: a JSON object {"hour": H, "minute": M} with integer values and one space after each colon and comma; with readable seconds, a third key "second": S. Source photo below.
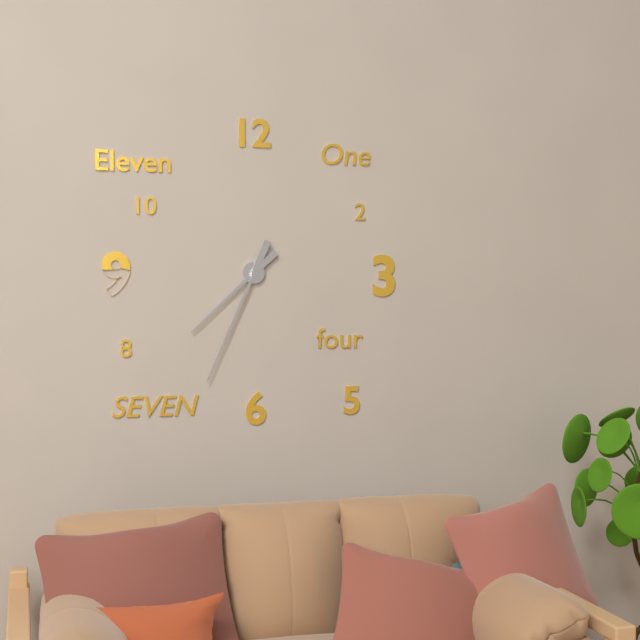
{"hour": 7, "minute": 34}
